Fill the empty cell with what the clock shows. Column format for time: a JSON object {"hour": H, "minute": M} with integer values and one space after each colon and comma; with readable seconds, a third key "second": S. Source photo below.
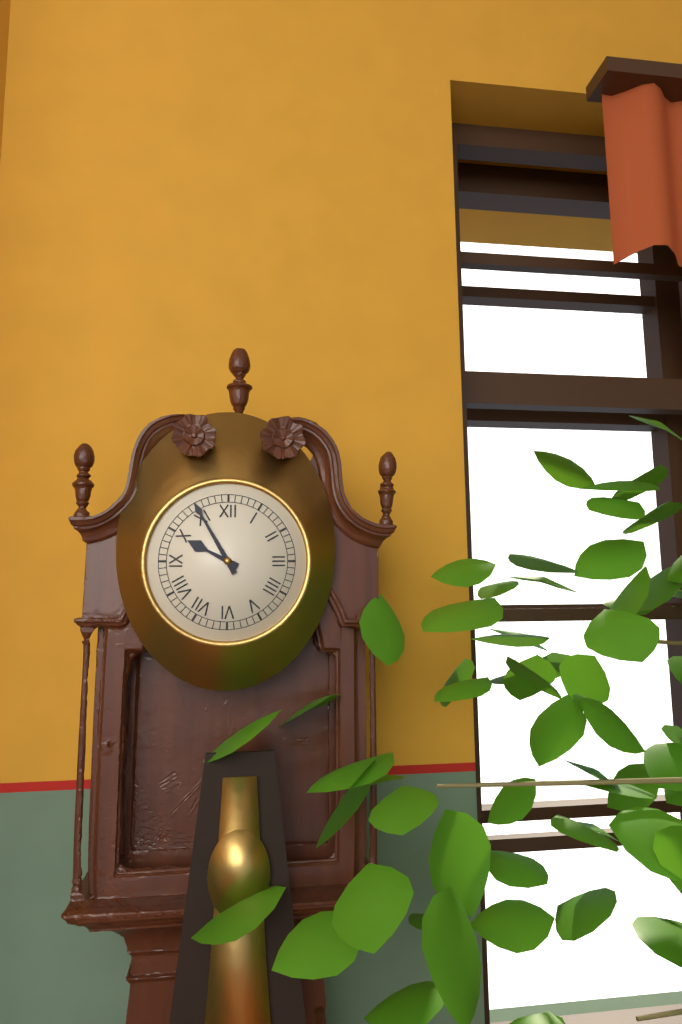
{"hour": 9, "minute": 55}
